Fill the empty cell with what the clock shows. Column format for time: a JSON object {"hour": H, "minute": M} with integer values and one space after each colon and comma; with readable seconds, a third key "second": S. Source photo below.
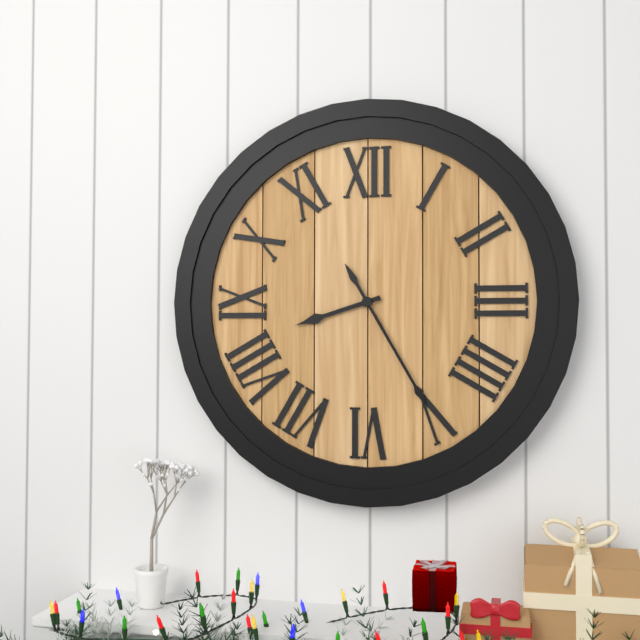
{"hour": 8, "minute": 25}
